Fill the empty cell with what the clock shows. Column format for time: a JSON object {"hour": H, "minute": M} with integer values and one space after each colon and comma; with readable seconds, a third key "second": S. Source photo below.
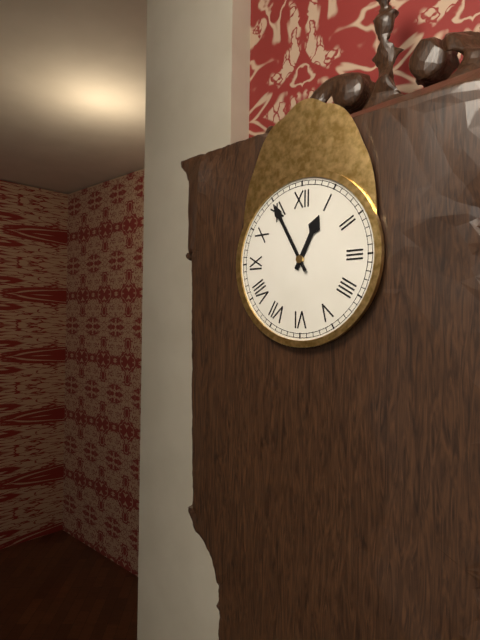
{"hour": 12, "minute": 55}
